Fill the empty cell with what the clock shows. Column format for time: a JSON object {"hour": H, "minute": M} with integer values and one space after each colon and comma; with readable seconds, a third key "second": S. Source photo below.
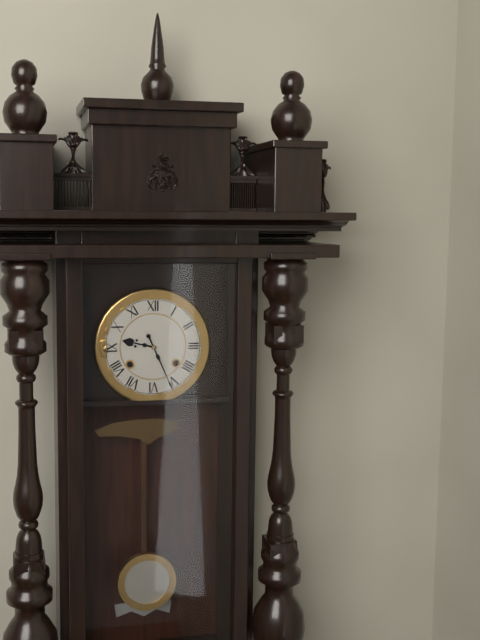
{"hour": 9, "minute": 26}
